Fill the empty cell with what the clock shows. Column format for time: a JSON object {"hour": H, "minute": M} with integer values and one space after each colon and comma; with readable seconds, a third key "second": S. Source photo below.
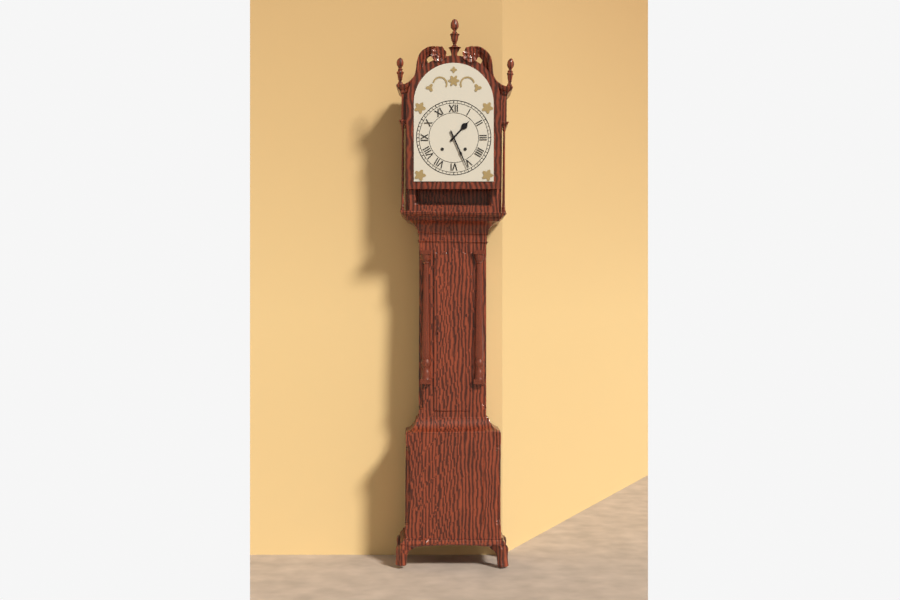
{"hour": 1, "minute": 26}
